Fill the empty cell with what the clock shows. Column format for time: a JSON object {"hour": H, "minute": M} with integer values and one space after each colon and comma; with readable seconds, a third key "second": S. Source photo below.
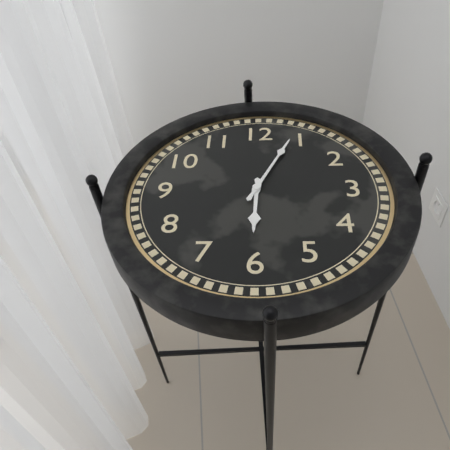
{"hour": 6, "minute": 4}
